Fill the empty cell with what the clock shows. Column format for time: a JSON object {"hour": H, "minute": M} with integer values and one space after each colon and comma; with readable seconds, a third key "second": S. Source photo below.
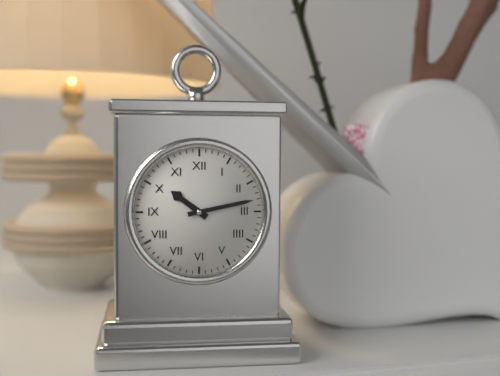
{"hour": 10, "minute": 13}
